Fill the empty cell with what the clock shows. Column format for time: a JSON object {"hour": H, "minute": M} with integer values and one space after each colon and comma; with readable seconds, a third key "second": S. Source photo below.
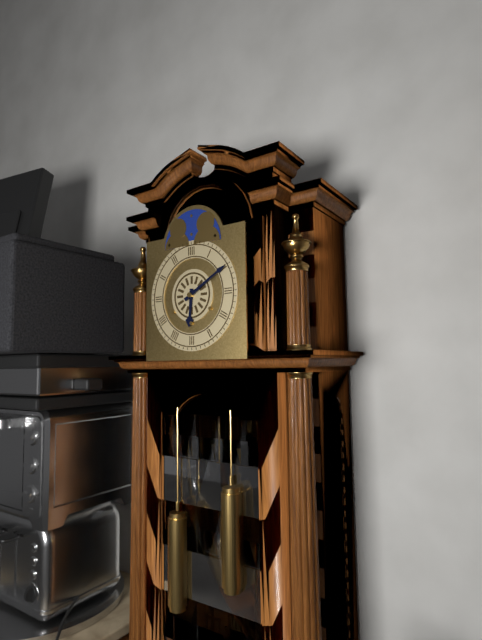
{"hour": 6, "minute": 10}
